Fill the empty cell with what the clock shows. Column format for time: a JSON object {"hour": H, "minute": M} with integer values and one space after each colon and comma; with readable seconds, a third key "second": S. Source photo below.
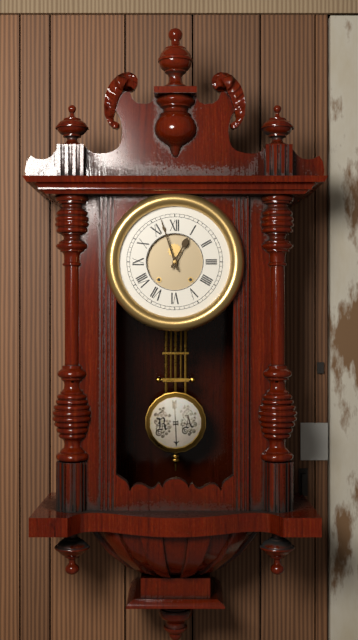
{"hour": 12, "minute": 57}
